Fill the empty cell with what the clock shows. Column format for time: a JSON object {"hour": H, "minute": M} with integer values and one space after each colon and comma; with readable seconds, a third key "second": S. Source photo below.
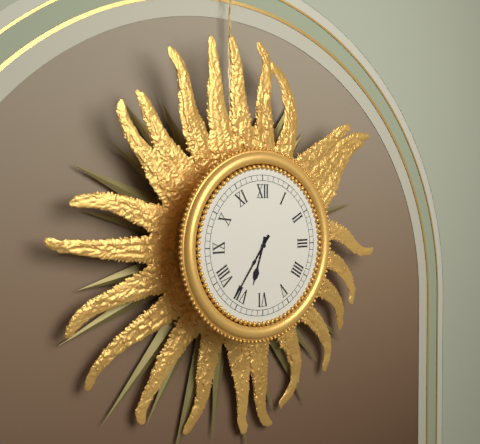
{"hour": 6, "minute": 36}
